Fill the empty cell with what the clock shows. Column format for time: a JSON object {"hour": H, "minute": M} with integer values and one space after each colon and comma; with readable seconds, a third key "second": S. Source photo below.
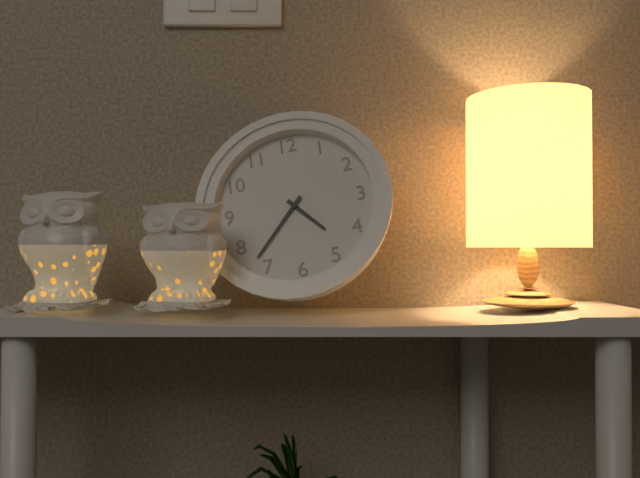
{"hour": 4, "minute": 37}
